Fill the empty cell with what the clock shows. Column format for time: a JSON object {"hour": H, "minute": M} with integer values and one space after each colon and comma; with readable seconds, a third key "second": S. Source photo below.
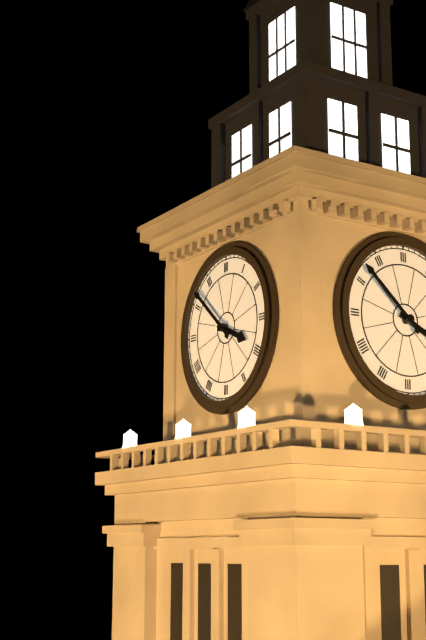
{"hour": 3, "minute": 52}
